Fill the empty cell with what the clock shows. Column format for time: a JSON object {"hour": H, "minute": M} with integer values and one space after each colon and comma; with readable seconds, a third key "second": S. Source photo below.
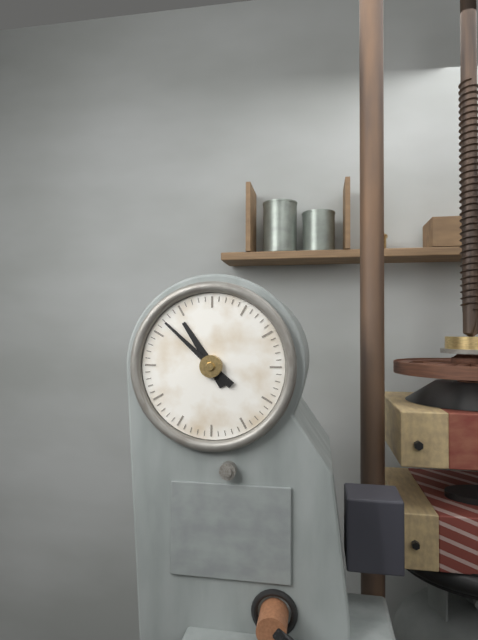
{"hour": 10, "minute": 52}
